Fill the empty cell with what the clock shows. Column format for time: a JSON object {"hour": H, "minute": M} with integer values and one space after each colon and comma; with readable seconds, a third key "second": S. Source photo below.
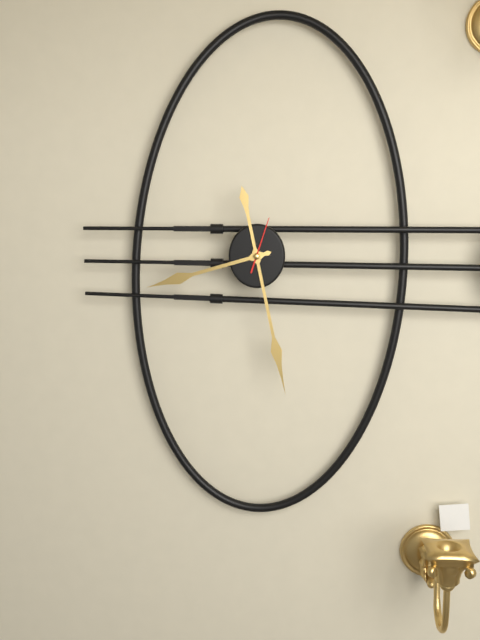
{"hour": 8, "minute": 28, "second": 3}
